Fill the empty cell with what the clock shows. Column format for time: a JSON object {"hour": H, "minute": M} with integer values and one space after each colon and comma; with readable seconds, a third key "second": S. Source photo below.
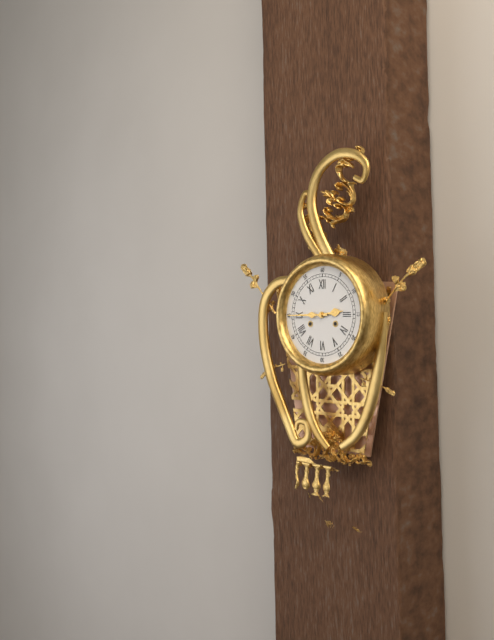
{"hour": 2, "minute": 45}
